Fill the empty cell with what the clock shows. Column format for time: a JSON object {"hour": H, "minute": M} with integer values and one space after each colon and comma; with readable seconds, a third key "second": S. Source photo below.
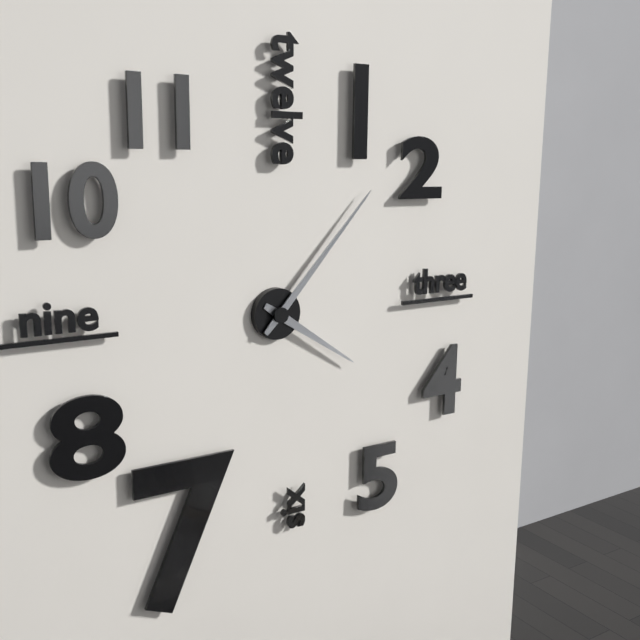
{"hour": 4, "minute": 7}
